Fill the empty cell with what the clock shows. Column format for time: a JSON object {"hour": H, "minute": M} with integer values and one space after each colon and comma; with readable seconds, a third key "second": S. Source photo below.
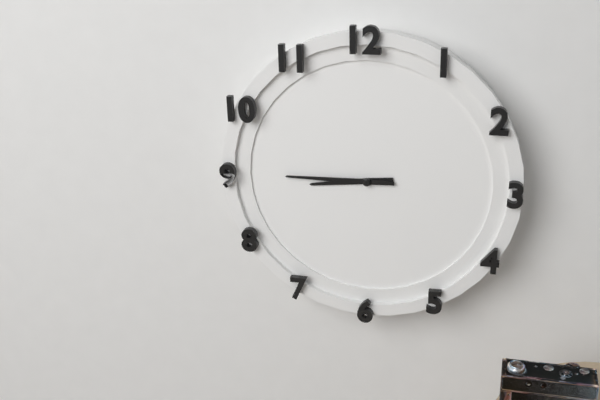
{"hour": 8, "minute": 45}
